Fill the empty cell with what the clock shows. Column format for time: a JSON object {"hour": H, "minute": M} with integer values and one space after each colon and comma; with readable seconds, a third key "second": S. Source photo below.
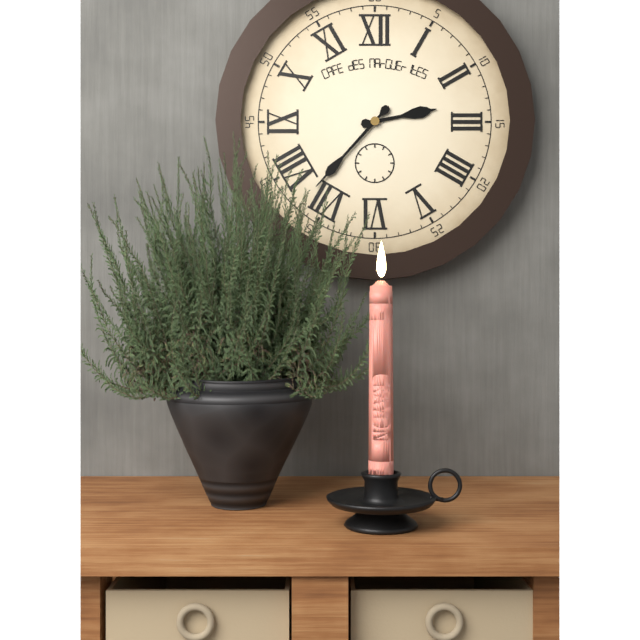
{"hour": 2, "minute": 37}
